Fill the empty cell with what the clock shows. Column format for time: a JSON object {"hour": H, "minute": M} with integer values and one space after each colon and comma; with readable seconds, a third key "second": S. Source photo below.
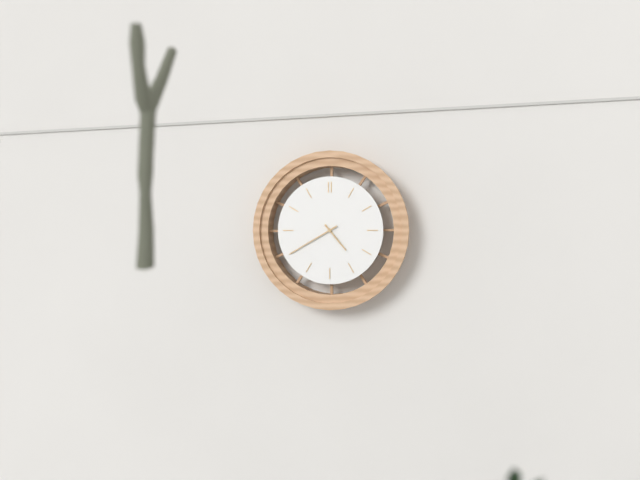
{"hour": 4, "minute": 40}
